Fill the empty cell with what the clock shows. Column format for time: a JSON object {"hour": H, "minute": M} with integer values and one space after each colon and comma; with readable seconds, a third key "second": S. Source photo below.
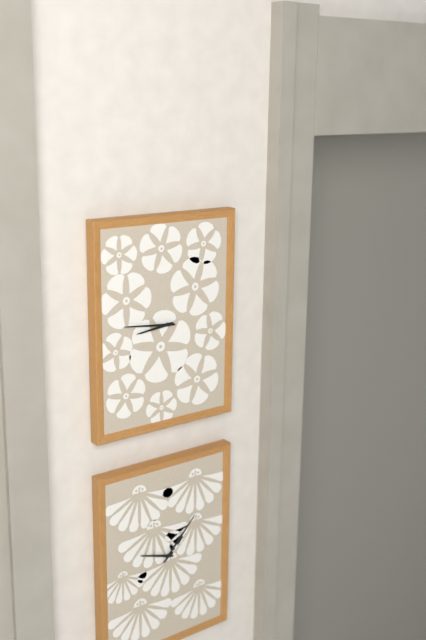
{"hour": 8, "minute": 46}
